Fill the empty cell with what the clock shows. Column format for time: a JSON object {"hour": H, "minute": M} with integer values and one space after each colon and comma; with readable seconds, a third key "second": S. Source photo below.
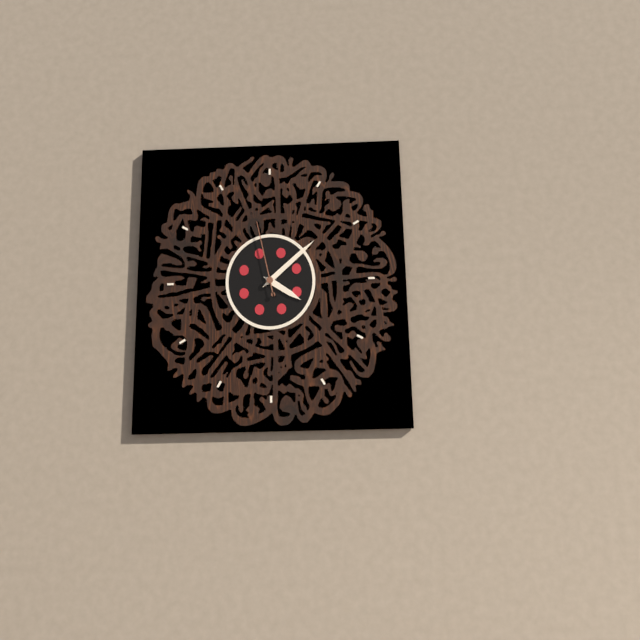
{"hour": 4, "minute": 8, "second": 58}
